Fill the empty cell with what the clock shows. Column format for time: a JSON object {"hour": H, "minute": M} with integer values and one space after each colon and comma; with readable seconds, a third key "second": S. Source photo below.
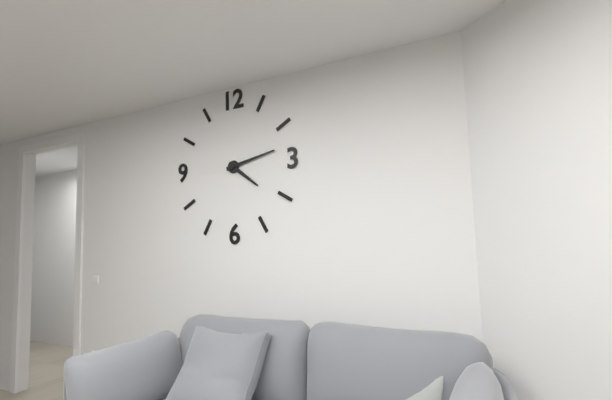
{"hour": 4, "minute": 13}
